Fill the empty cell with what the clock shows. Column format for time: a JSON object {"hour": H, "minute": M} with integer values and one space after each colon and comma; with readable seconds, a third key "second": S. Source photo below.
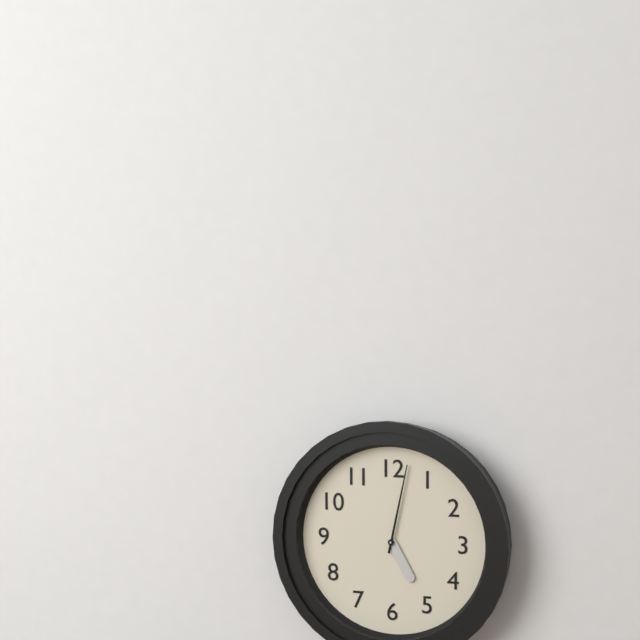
{"hour": 5, "minute": 2}
